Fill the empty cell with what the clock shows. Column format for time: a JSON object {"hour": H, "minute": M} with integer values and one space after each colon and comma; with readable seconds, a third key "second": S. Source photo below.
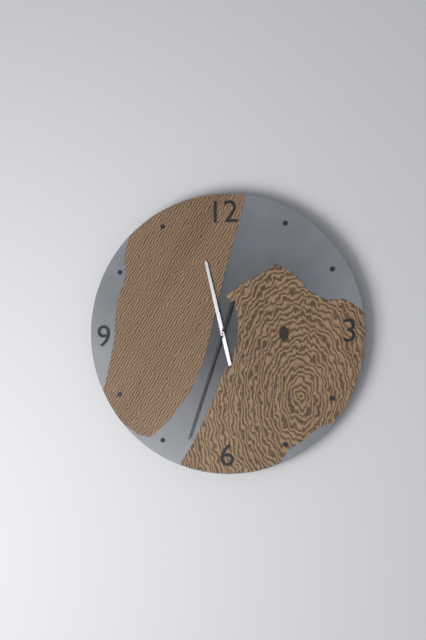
{"hour": 11, "minute": 33}
